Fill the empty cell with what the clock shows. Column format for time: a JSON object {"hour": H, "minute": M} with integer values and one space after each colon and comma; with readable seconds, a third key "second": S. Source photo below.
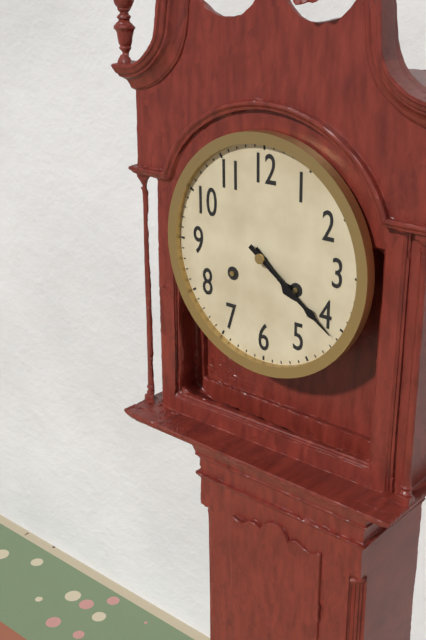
{"hour": 4, "minute": 21}
